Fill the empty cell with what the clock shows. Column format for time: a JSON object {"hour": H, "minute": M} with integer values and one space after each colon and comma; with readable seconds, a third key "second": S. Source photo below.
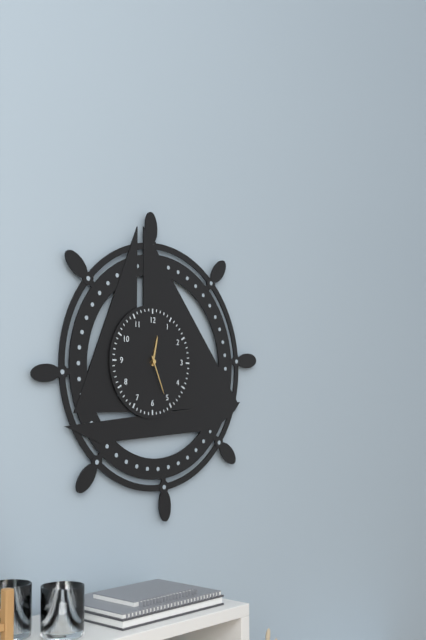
{"hour": 12, "minute": 26}
